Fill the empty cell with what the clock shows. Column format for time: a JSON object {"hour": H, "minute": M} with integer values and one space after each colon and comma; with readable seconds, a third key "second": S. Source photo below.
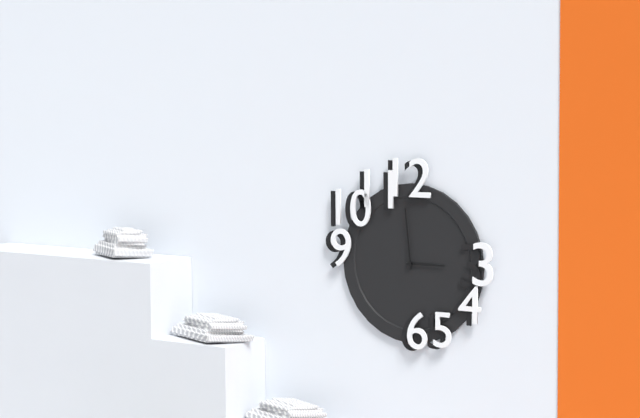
{"hour": 2, "minute": 59}
